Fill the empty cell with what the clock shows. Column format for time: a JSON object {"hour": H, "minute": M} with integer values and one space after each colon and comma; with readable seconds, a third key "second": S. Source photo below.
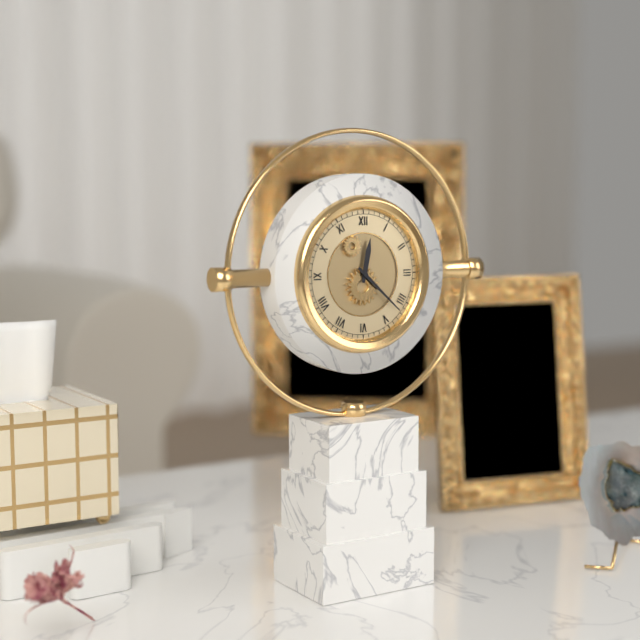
{"hour": 12, "minute": 22}
